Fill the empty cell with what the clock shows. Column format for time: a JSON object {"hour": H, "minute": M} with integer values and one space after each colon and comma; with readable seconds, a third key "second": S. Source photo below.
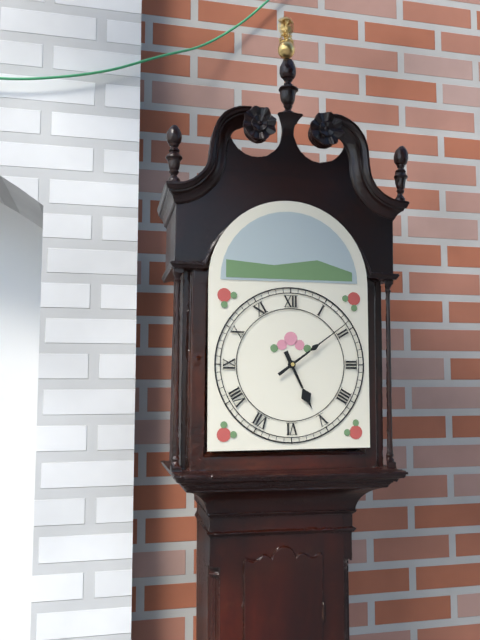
{"hour": 5, "minute": 9}
